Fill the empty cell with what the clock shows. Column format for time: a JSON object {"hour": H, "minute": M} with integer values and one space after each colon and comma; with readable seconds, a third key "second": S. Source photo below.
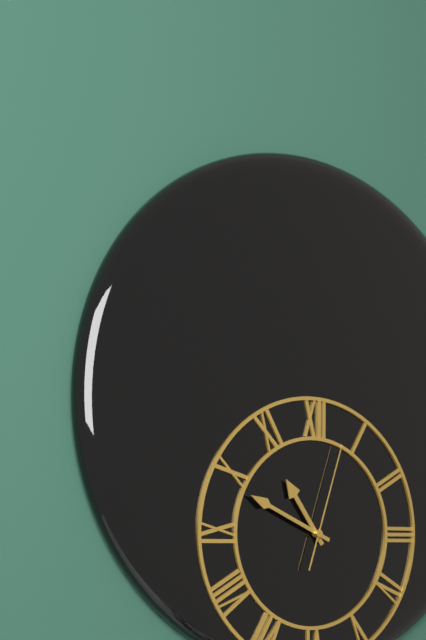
{"hour": 10, "minute": 49, "second": 3}
